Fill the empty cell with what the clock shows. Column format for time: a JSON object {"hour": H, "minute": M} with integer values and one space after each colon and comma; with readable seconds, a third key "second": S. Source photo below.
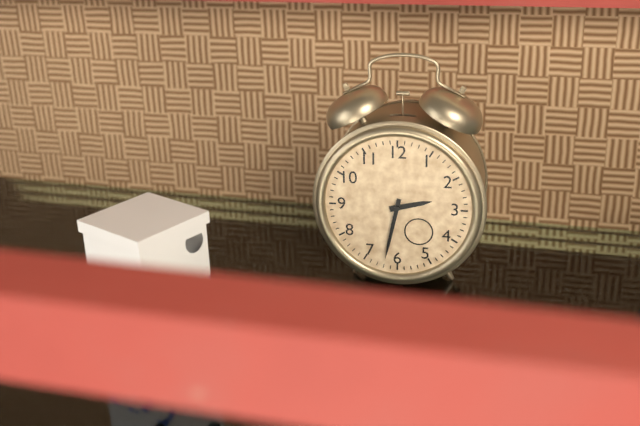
{"hour": 2, "minute": 32}
